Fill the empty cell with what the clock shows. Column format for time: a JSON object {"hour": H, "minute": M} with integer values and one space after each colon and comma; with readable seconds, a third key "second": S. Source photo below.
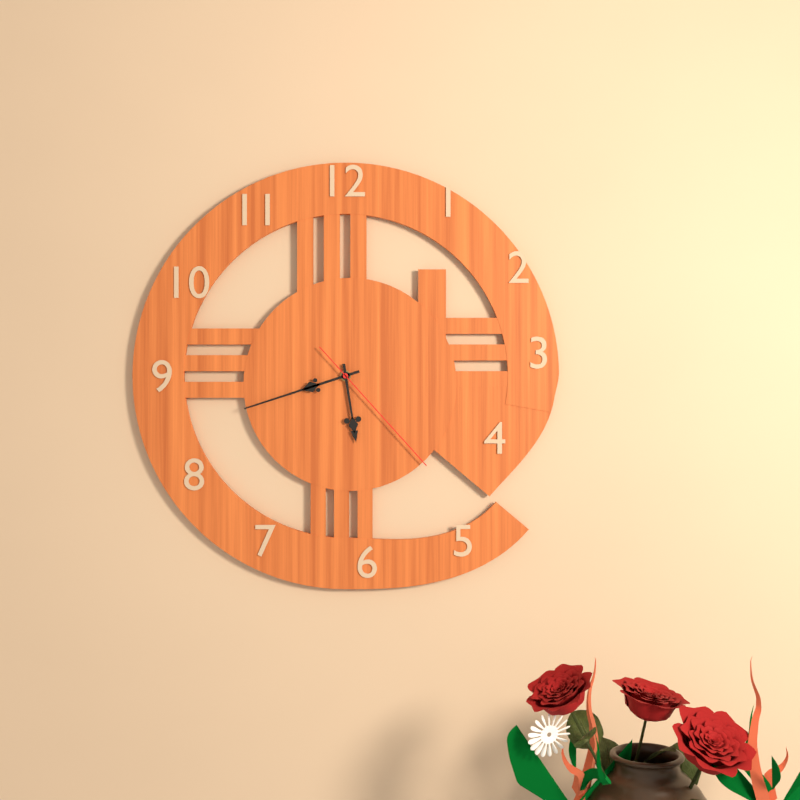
{"hour": 5, "minute": 42, "second": 23}
